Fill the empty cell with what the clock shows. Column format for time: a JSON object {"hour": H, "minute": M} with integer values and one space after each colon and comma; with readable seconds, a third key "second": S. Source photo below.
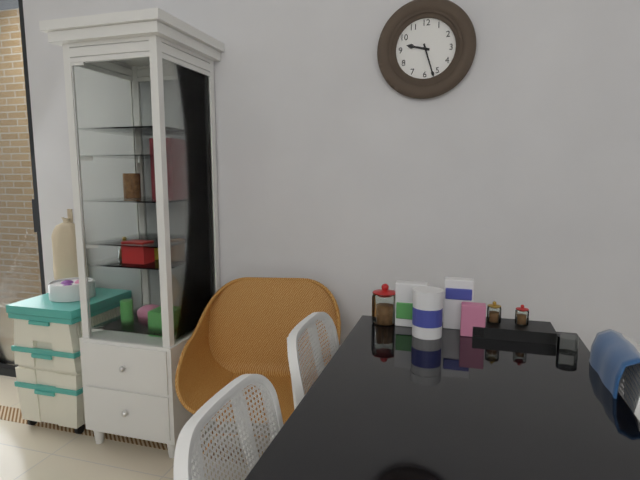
{"hour": 9, "minute": 27}
